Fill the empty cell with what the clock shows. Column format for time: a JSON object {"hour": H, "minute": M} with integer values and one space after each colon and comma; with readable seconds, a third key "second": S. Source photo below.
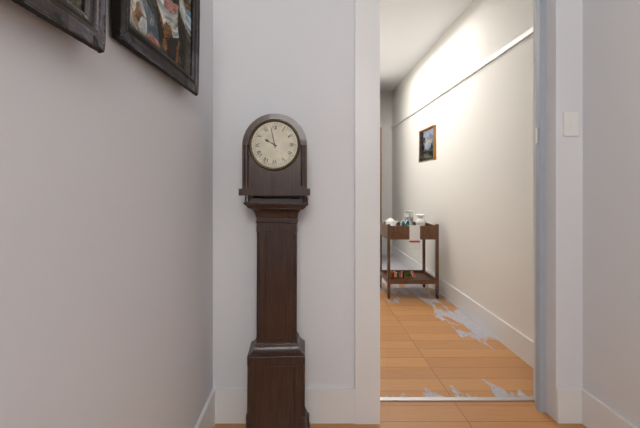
{"hour": 9, "minute": 58}
